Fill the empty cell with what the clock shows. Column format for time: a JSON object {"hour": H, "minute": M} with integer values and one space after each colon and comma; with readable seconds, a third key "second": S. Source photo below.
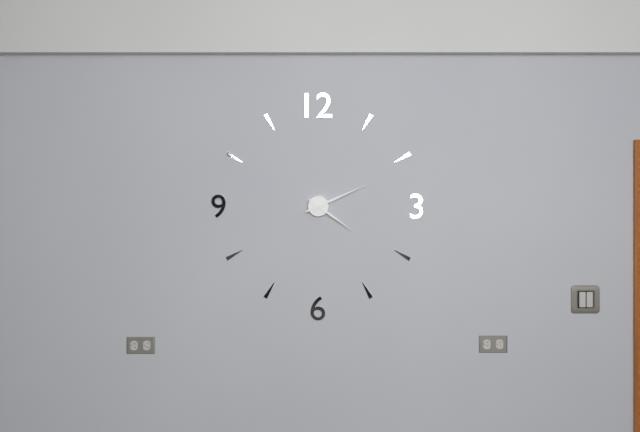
{"hour": 4, "minute": 11}
